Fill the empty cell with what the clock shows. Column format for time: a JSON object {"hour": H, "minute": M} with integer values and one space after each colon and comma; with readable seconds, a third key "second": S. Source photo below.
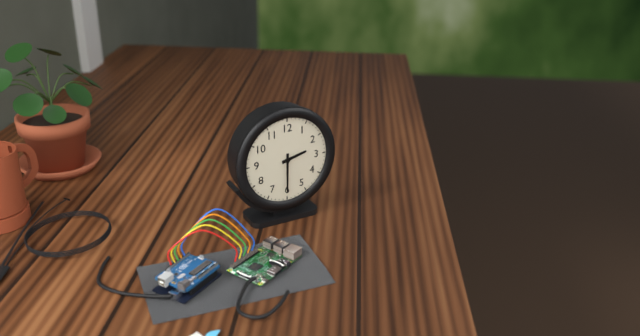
{"hour": 2, "minute": 30}
